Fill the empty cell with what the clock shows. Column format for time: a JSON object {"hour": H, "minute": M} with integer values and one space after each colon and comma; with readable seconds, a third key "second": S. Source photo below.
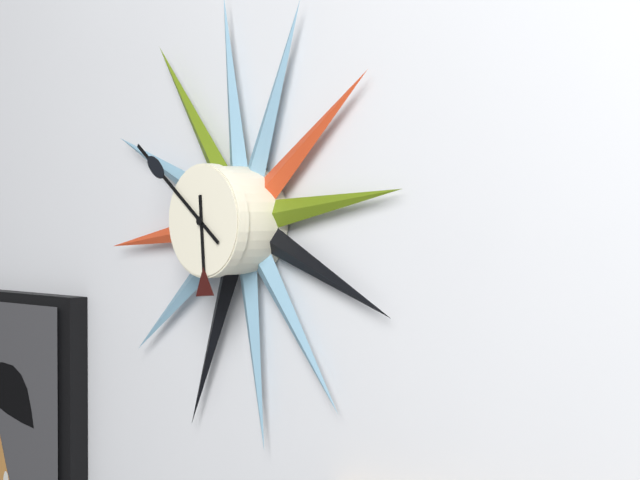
{"hour": 5, "minute": 51}
